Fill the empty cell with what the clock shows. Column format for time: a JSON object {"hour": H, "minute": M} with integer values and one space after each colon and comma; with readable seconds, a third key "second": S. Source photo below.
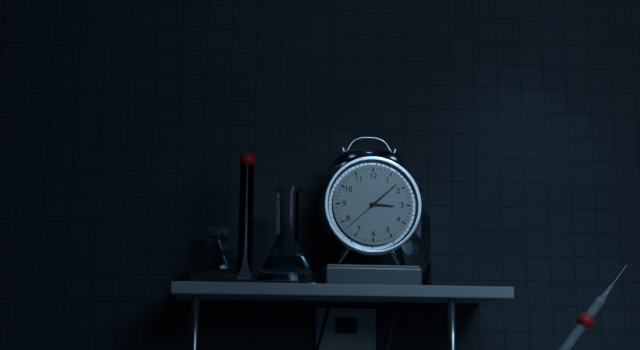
{"hour": 3, "minute": 8}
